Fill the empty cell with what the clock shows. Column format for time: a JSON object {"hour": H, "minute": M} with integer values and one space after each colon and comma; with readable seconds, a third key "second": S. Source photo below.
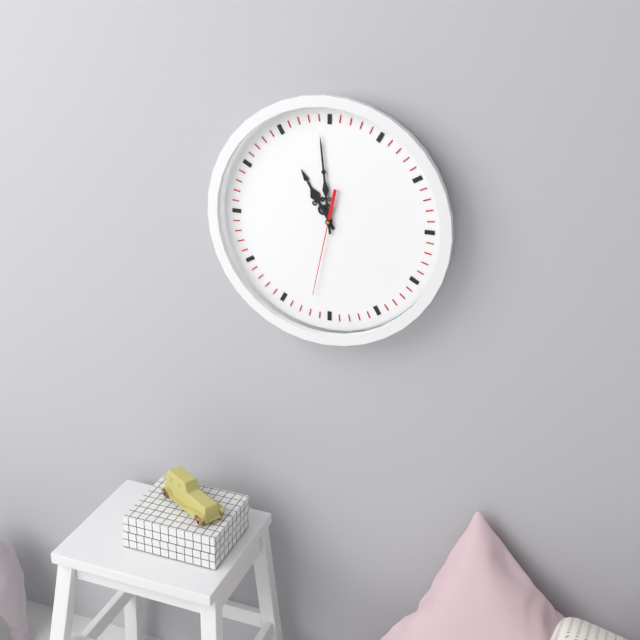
{"hour": 10, "minute": 59, "second": 32}
